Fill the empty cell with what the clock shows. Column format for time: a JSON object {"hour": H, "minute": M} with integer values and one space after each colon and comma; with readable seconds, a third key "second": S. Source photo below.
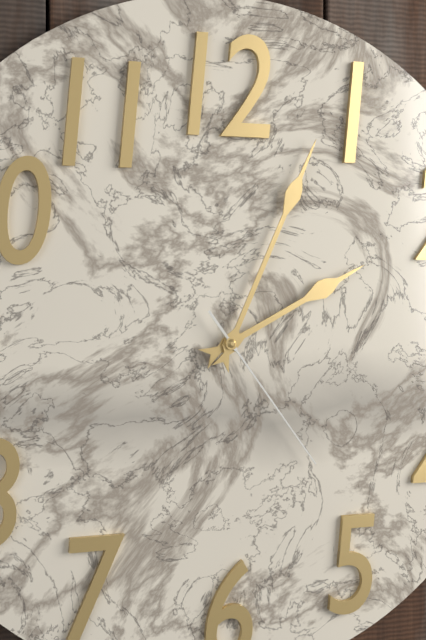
{"hour": 2, "minute": 4, "second": 24}
